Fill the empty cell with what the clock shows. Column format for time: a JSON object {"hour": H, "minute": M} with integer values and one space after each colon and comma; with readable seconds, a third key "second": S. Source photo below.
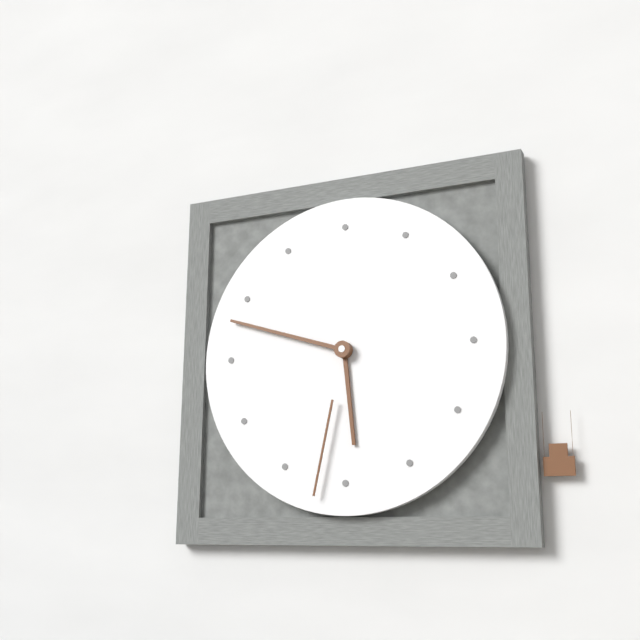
{"hour": 5, "minute": 48, "second": 32}
